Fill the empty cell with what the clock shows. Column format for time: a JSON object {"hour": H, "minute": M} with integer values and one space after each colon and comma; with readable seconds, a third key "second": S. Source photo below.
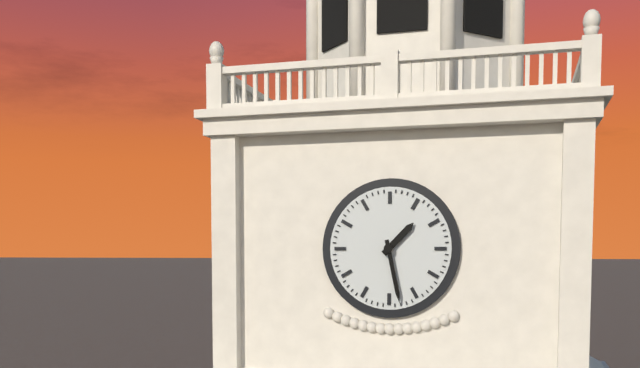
{"hour": 1, "minute": 28}
